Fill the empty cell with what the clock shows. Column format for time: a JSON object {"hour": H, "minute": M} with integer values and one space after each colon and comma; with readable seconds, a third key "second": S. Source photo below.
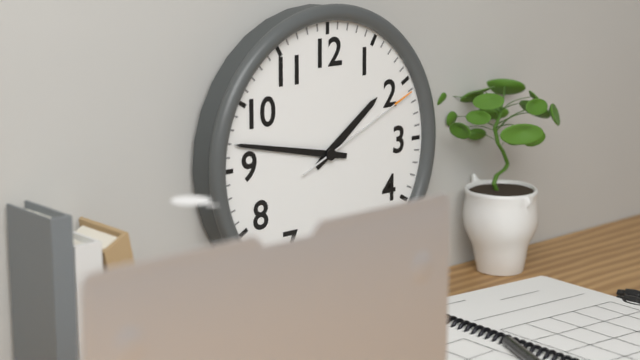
{"hour": 1, "minute": 47, "second": 11}
